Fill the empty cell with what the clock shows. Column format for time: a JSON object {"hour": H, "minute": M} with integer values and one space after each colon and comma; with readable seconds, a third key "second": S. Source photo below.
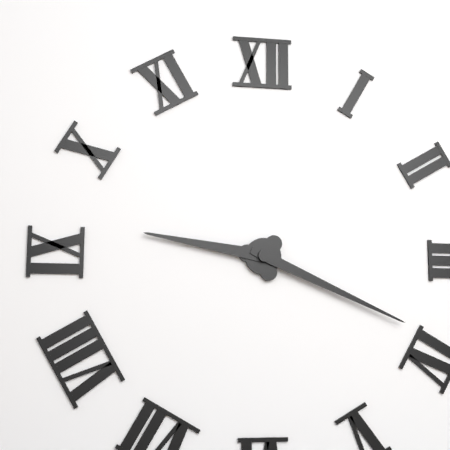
{"hour": 9, "minute": 19}
